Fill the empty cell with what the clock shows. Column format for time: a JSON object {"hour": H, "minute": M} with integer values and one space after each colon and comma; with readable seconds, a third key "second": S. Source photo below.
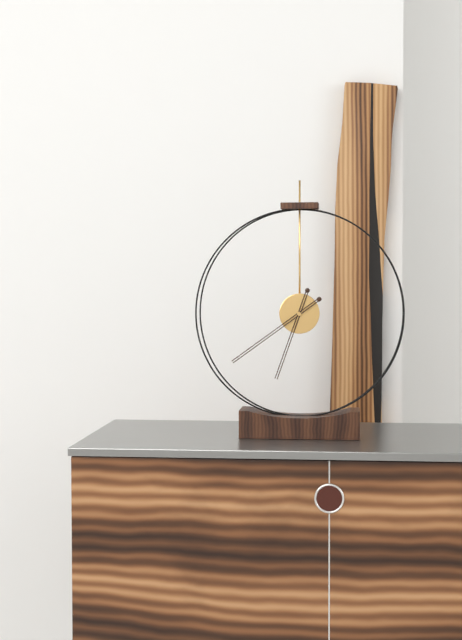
{"hour": 6, "minute": 39}
